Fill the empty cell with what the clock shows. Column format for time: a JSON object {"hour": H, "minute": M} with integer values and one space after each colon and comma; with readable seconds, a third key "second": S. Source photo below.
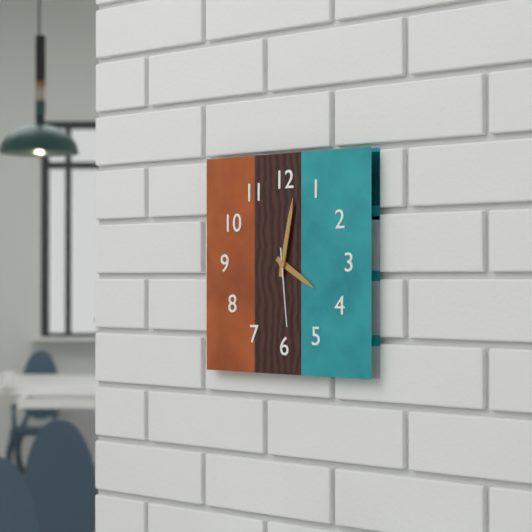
{"hour": 4, "minute": 2, "second": 29}
